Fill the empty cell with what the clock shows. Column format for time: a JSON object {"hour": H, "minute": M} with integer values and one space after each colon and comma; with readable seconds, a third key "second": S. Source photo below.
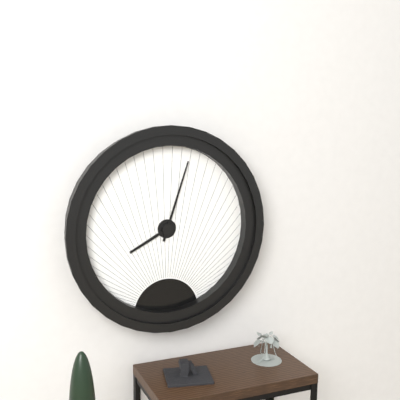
{"hour": 8, "minute": 3}
